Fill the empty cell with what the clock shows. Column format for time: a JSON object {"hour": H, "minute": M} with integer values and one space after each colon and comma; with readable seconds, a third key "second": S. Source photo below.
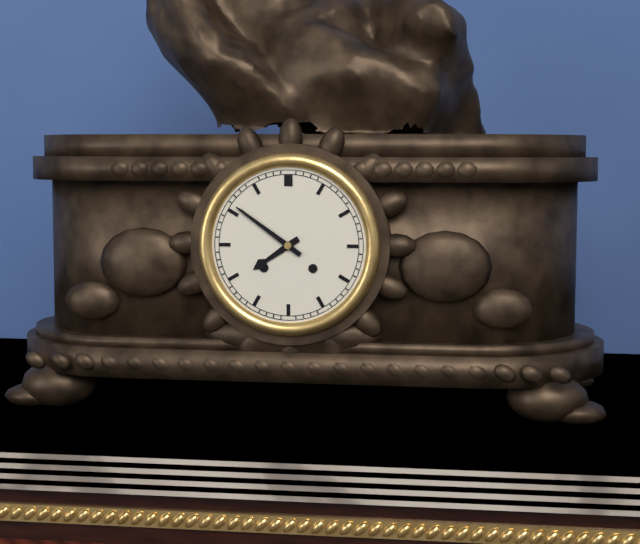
{"hour": 7, "minute": 51}
